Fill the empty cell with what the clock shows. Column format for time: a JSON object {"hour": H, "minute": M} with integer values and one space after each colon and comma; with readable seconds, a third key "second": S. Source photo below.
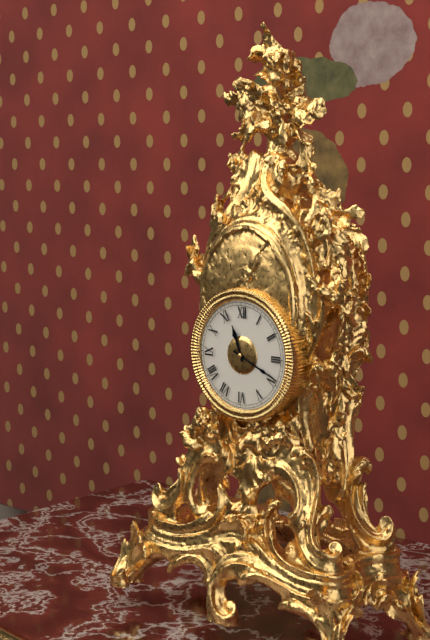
{"hour": 11, "minute": 19}
